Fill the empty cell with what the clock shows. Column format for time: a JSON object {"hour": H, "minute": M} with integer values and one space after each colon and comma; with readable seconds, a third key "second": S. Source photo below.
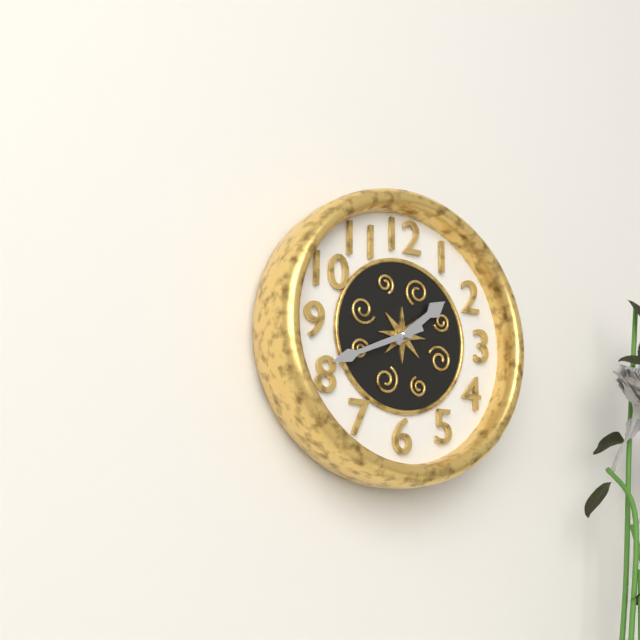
{"hour": 1, "minute": 41}
